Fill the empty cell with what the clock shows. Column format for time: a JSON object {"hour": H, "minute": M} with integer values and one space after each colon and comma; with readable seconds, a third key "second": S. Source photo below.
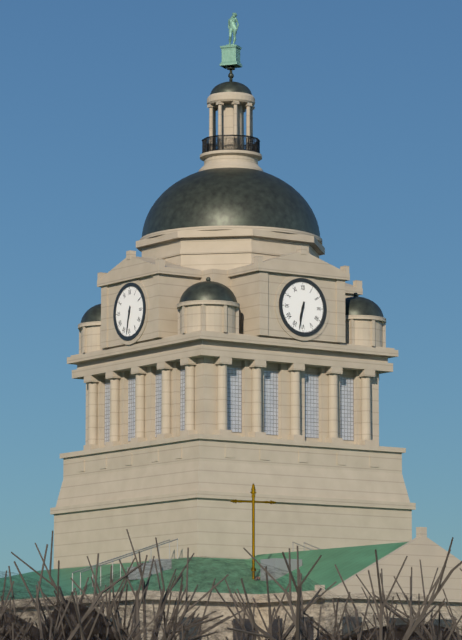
{"hour": 6, "minute": 32}
